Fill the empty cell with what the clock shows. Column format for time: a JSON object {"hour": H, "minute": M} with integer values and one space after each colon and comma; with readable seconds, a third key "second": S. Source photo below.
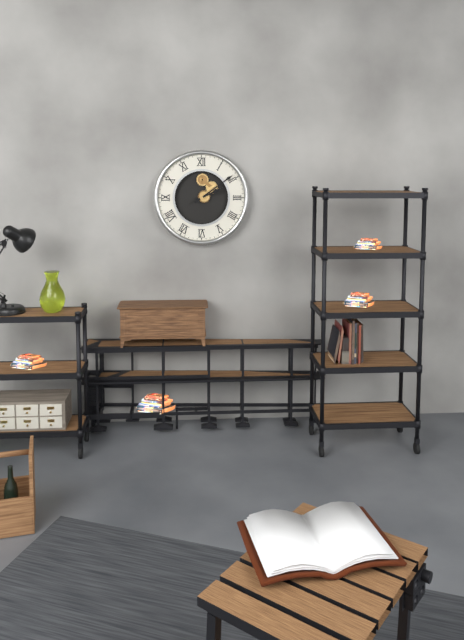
{"hour": 2, "minute": 9}
